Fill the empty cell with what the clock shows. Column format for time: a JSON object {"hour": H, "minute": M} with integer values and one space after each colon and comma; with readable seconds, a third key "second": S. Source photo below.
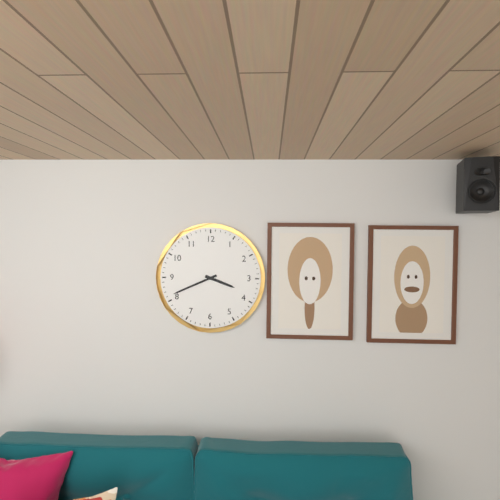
{"hour": 3, "minute": 41}
